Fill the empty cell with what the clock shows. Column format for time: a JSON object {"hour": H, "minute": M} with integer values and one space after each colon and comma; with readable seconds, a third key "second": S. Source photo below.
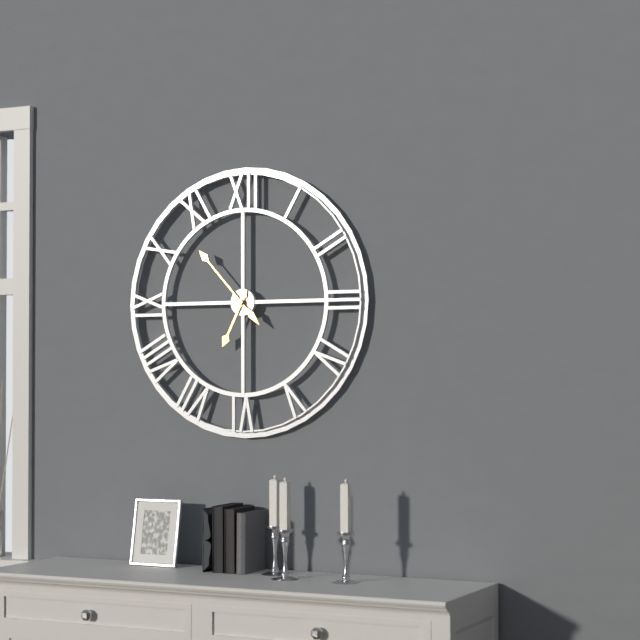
{"hour": 6, "minute": 53}
